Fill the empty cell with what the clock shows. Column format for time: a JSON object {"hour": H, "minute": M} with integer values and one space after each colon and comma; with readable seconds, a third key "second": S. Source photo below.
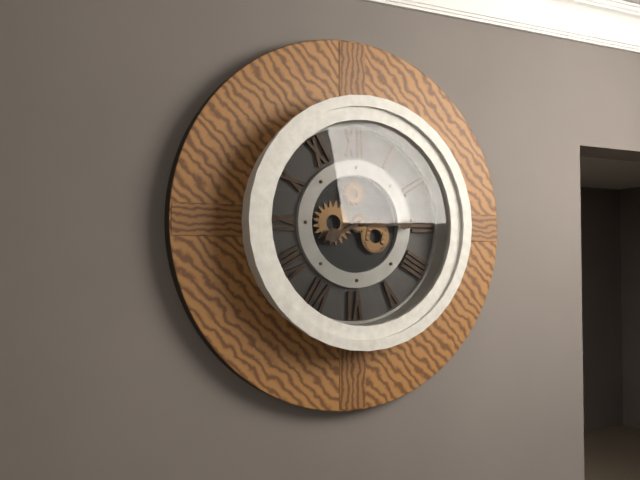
{"hour": 8, "minute": 15}
